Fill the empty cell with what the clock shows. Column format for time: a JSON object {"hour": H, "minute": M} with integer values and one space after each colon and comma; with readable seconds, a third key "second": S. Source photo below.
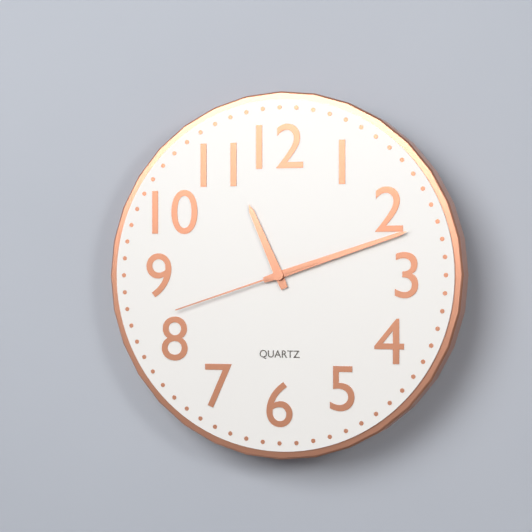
{"hour": 11, "minute": 12, "second": 42}
